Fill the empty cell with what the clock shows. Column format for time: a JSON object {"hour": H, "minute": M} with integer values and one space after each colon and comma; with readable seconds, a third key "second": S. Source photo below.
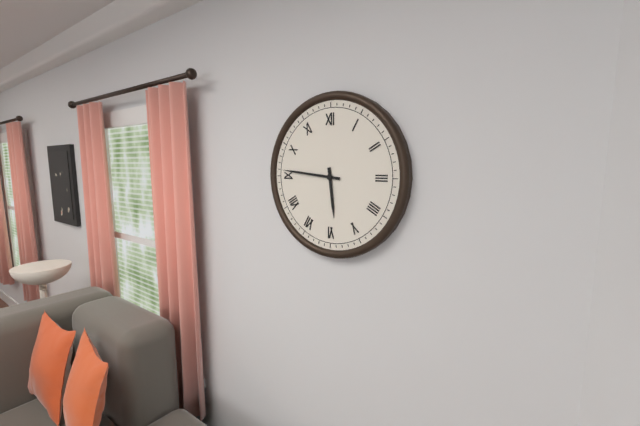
{"hour": 5, "minute": 46}
